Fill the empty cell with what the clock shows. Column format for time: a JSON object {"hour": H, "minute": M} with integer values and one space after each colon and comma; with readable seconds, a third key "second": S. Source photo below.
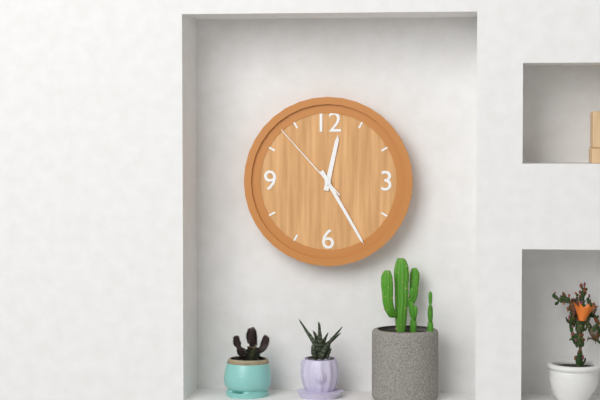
{"hour": 12, "minute": 25, "second": 53}
